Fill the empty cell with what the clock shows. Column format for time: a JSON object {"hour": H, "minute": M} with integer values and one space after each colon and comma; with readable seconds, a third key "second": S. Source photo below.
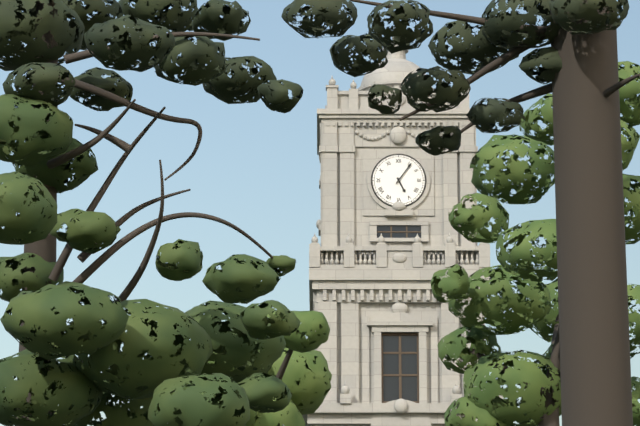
{"hour": 5, "minute": 6}
